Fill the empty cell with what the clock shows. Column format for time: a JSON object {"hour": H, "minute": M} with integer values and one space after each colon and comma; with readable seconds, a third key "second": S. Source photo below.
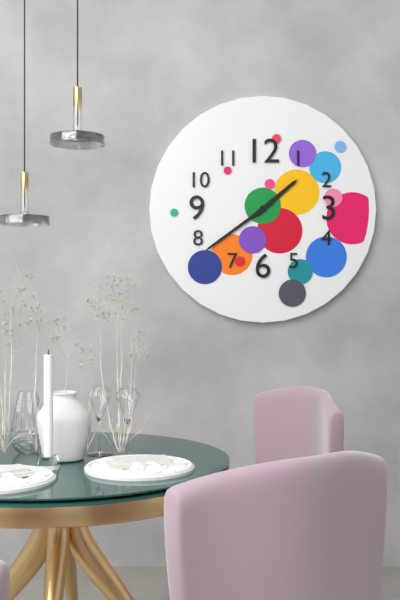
{"hour": 1, "minute": 39}
